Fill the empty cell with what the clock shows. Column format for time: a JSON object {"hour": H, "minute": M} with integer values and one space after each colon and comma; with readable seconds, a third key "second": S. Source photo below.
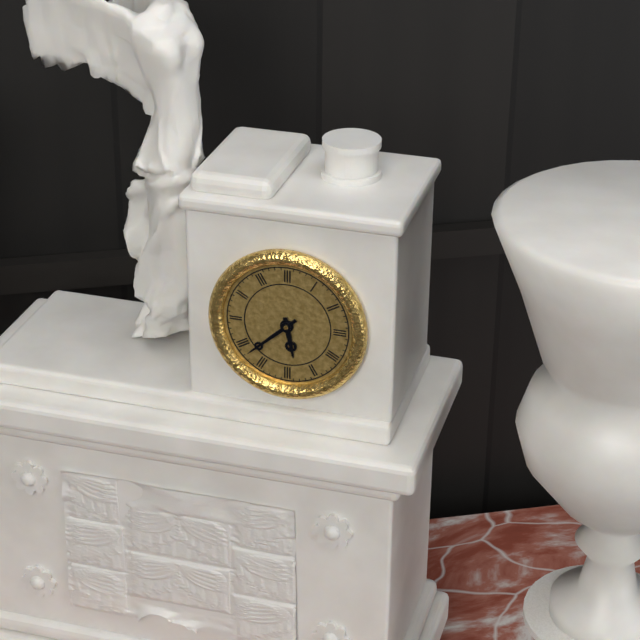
{"hour": 5, "minute": 38}
